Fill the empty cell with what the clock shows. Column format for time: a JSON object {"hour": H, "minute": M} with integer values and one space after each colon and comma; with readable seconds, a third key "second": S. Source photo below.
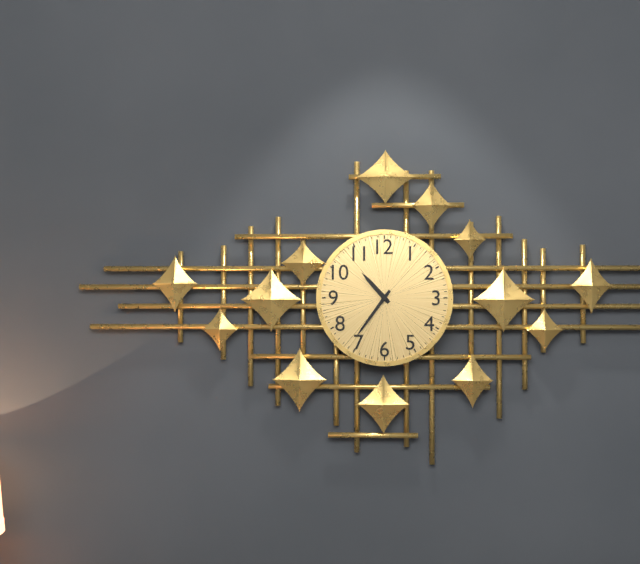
{"hour": 10, "minute": 36}
